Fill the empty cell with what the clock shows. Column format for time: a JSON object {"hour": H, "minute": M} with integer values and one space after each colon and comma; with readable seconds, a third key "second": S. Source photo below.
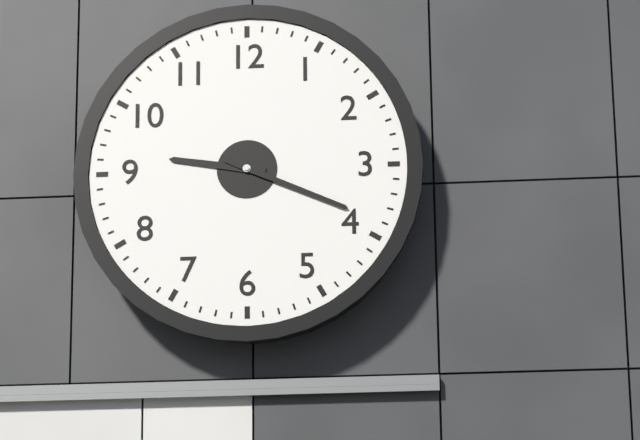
{"hour": 9, "minute": 19}
